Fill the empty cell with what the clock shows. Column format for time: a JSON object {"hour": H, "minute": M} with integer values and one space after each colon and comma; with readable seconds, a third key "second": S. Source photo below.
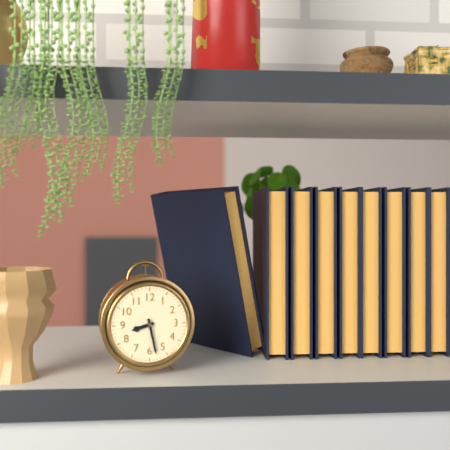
{"hour": 8, "minute": 28}
